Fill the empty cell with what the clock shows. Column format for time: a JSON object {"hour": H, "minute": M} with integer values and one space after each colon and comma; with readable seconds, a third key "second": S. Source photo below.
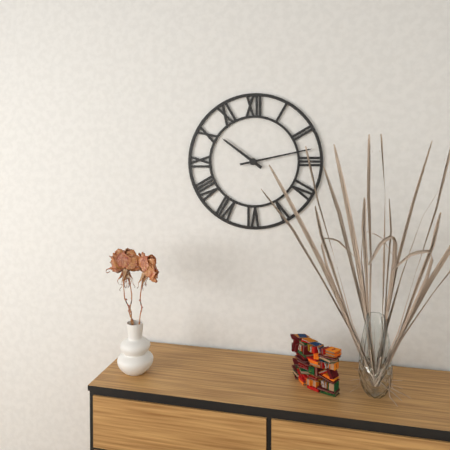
{"hour": 10, "minute": 13}
